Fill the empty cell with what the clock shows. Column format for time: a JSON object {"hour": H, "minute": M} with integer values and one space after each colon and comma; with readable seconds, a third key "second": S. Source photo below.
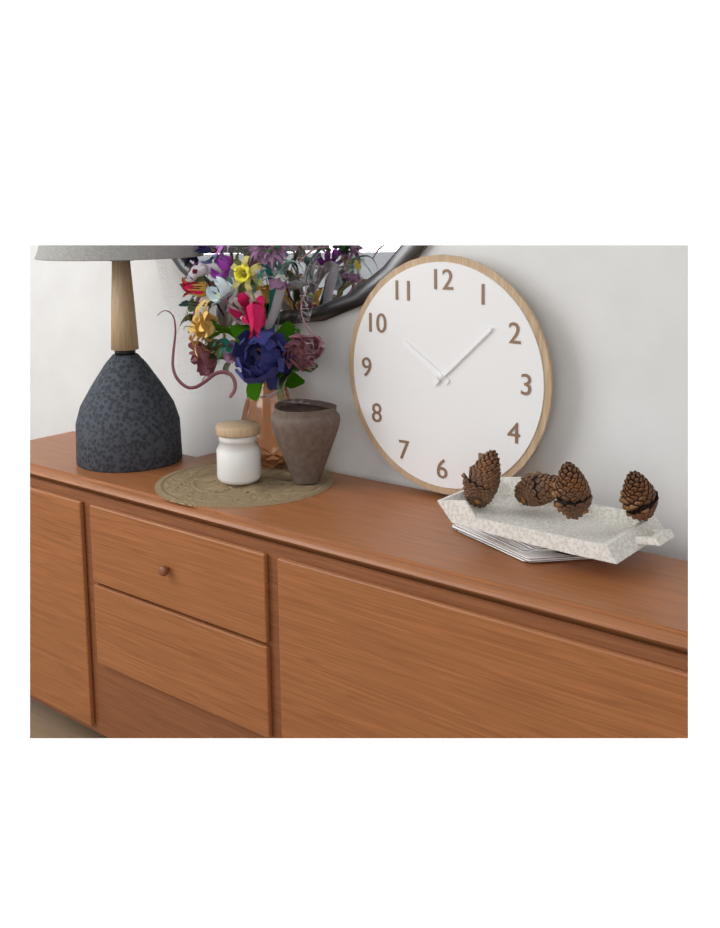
{"hour": 10, "minute": 8}
